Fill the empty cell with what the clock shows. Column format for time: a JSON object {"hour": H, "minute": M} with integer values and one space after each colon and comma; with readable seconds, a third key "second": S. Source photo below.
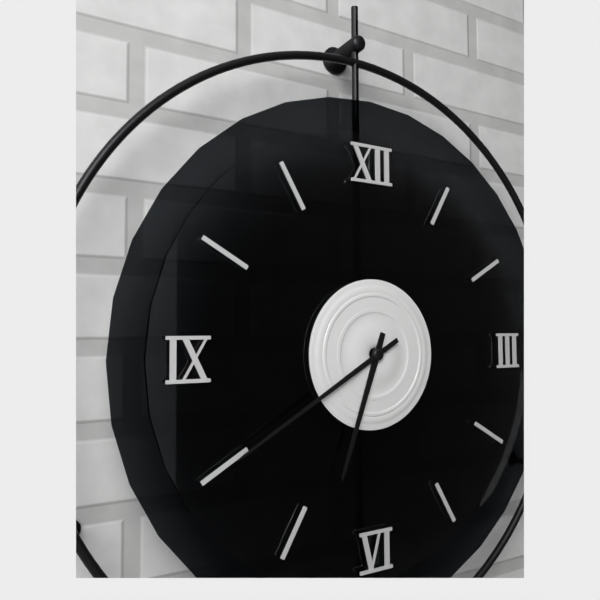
{"hour": 6, "minute": 40}
